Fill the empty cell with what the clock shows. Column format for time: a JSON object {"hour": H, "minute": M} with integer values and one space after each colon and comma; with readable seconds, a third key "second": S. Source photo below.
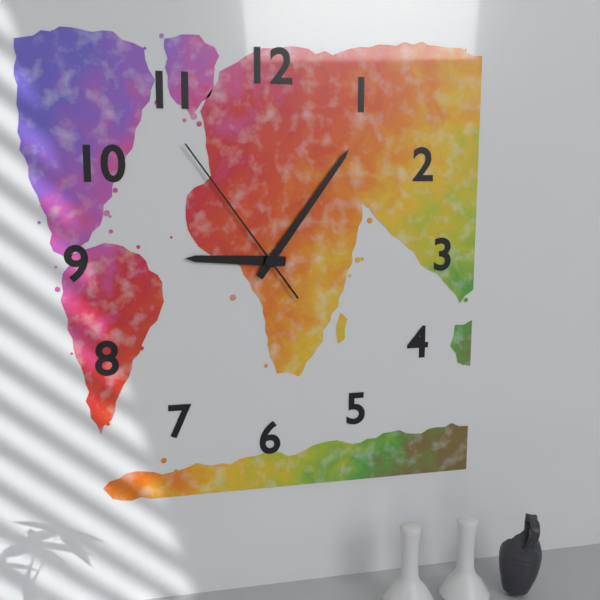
{"hour": 9, "minute": 6, "second": 54}
